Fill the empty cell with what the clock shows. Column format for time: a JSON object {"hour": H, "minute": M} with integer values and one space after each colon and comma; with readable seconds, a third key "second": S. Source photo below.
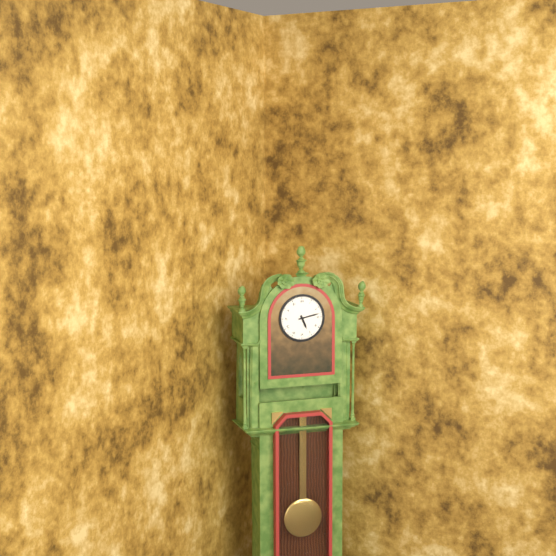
{"hour": 5, "minute": 13}
